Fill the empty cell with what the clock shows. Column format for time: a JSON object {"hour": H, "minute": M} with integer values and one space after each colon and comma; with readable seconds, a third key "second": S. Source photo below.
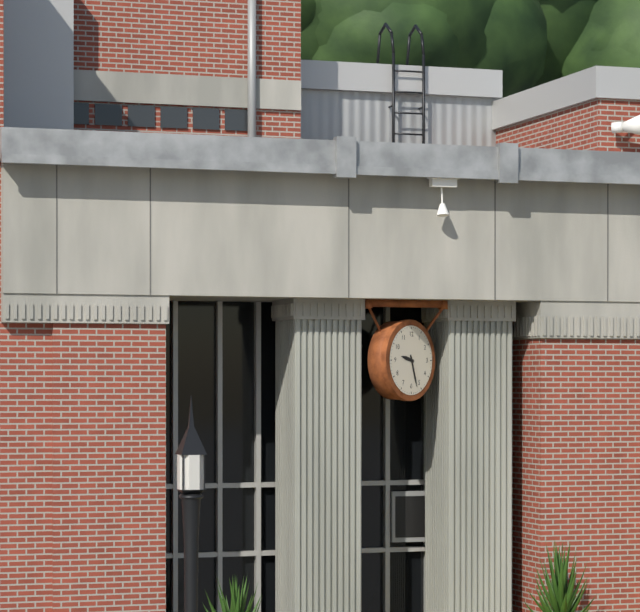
{"hour": 9, "minute": 27}
